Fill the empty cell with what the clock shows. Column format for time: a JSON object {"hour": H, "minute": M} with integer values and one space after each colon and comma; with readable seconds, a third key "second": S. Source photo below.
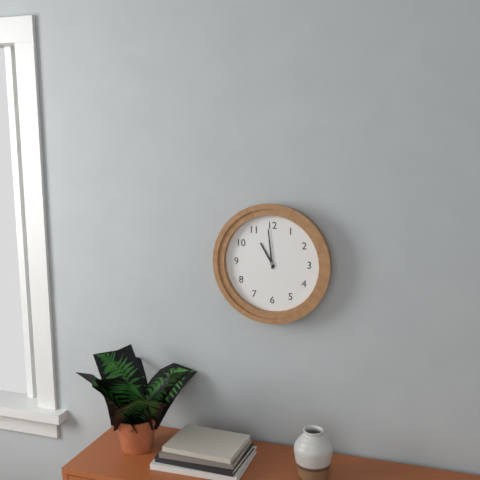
{"hour": 10, "minute": 59}
